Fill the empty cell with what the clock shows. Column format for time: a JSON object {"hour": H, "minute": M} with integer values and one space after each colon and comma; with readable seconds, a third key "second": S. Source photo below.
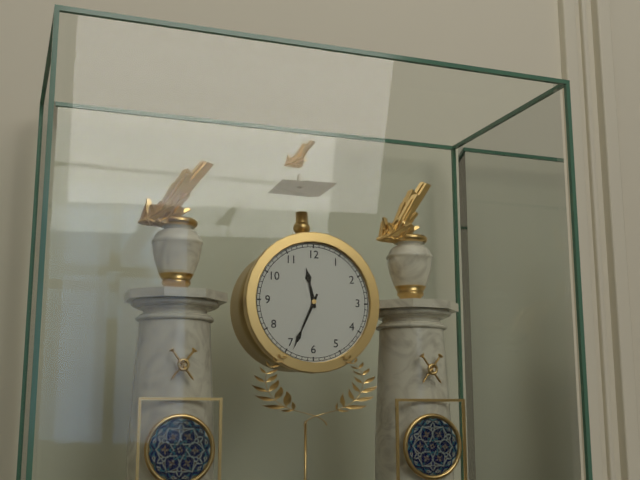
{"hour": 11, "minute": 34}
